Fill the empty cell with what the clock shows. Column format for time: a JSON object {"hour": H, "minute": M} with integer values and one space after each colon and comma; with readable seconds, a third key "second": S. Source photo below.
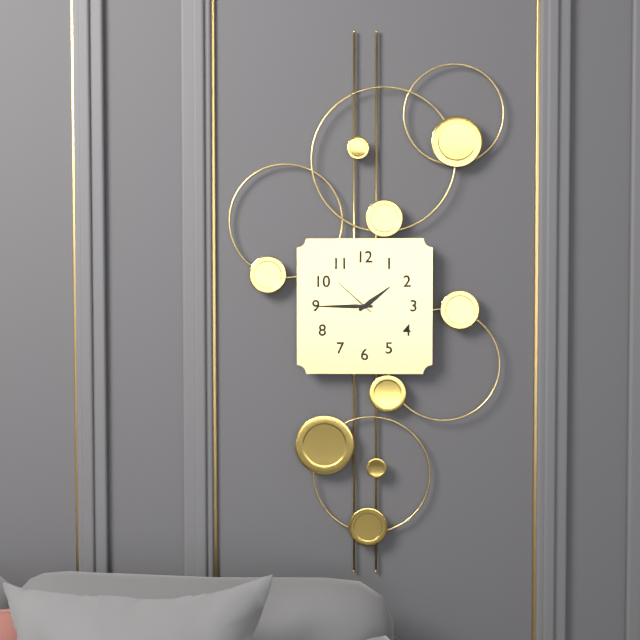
{"hour": 1, "minute": 45}
